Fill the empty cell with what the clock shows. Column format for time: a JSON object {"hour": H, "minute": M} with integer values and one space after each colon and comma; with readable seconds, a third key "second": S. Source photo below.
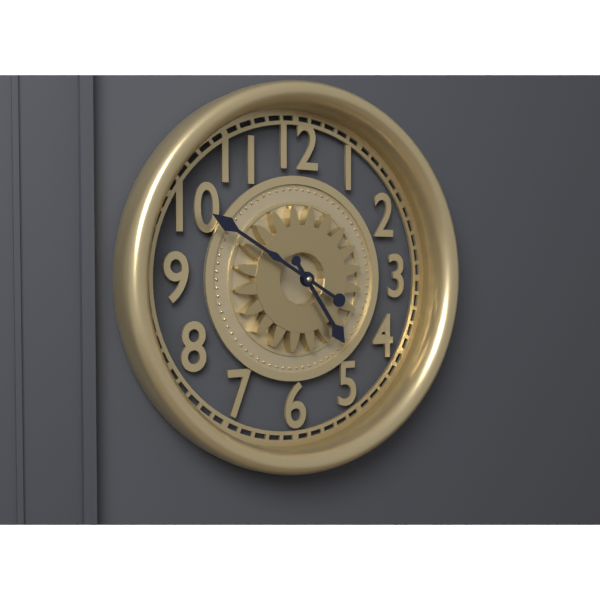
{"hour": 4, "minute": 50}
